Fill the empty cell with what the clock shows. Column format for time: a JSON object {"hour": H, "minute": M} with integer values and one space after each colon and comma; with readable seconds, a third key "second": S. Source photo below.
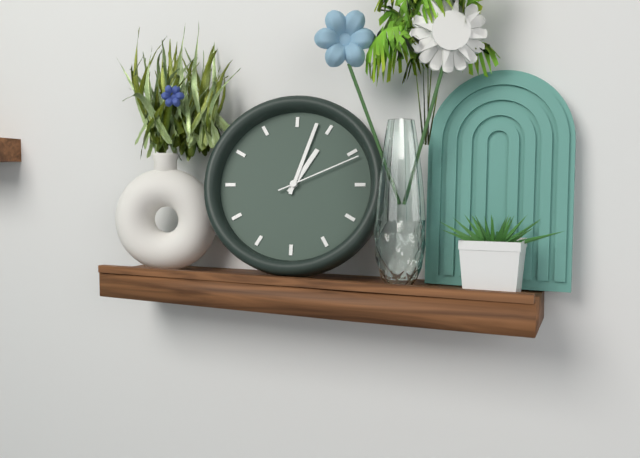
{"hour": 1, "minute": 3, "second": 11}
